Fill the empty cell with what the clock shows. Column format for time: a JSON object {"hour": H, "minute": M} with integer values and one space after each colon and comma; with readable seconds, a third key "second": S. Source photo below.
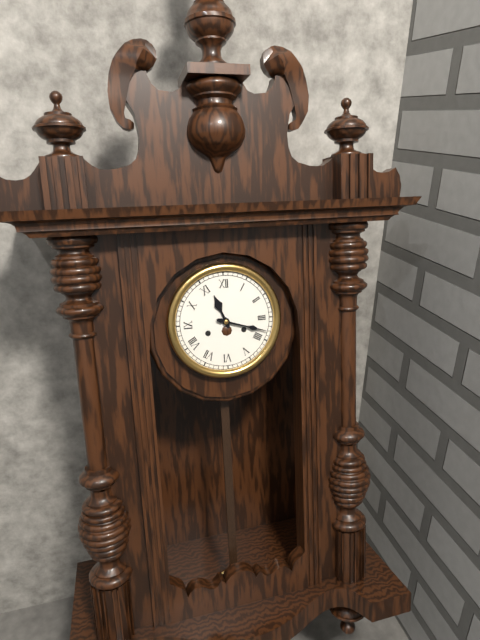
{"hour": 11, "minute": 18}
